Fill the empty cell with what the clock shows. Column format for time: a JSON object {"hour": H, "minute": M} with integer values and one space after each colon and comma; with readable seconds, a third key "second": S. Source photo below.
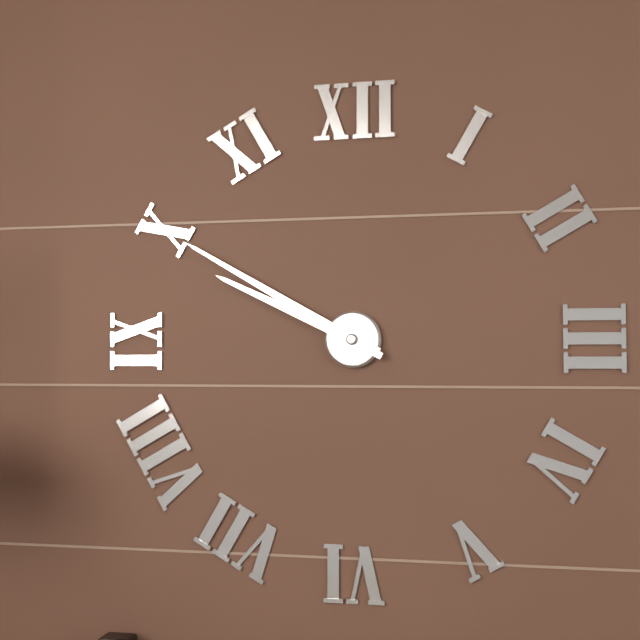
{"hour": 9, "minute": 50}
